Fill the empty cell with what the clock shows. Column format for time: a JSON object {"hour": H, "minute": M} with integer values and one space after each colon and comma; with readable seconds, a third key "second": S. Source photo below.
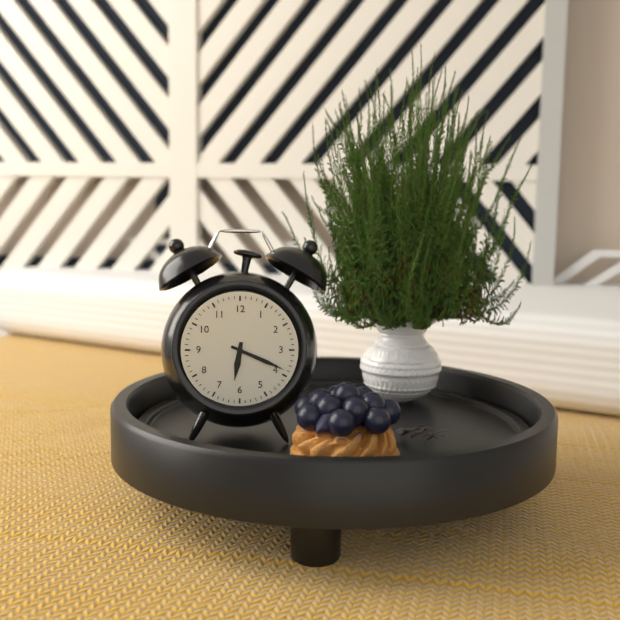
{"hour": 6, "minute": 19}
